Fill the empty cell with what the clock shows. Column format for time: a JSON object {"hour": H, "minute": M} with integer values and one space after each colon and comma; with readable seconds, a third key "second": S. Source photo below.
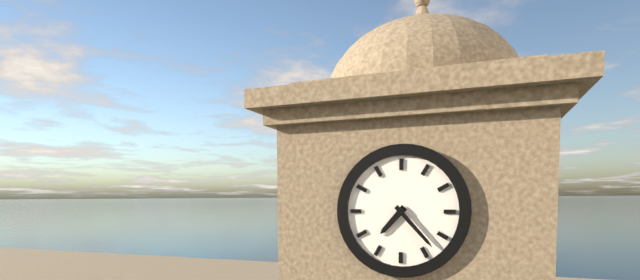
{"hour": 7, "minute": 23}
